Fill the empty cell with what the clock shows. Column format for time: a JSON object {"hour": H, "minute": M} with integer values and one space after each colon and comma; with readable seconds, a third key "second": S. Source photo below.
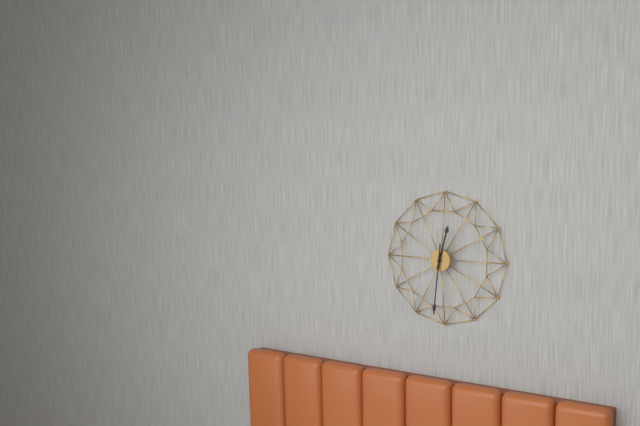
{"hour": 12, "minute": 31}
